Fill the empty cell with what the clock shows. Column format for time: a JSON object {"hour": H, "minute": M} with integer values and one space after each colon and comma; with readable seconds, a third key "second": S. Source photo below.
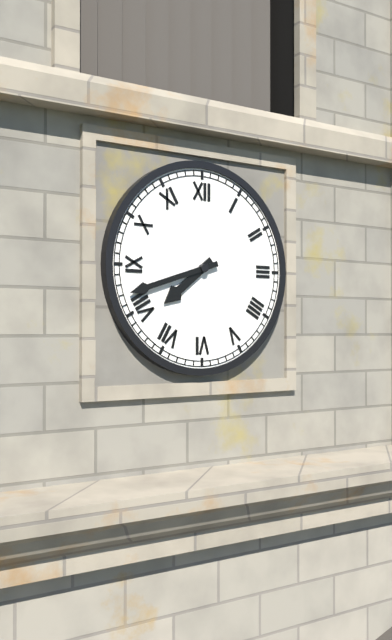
{"hour": 7, "minute": 42}
